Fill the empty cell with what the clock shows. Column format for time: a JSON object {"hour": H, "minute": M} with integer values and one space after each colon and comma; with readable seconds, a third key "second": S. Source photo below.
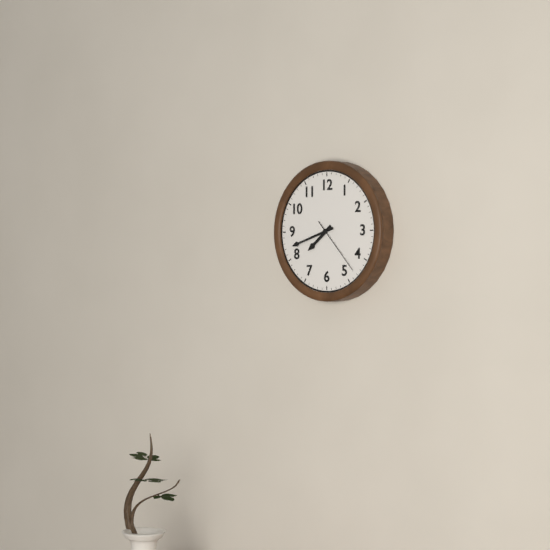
{"hour": 7, "minute": 42, "second": 23}
